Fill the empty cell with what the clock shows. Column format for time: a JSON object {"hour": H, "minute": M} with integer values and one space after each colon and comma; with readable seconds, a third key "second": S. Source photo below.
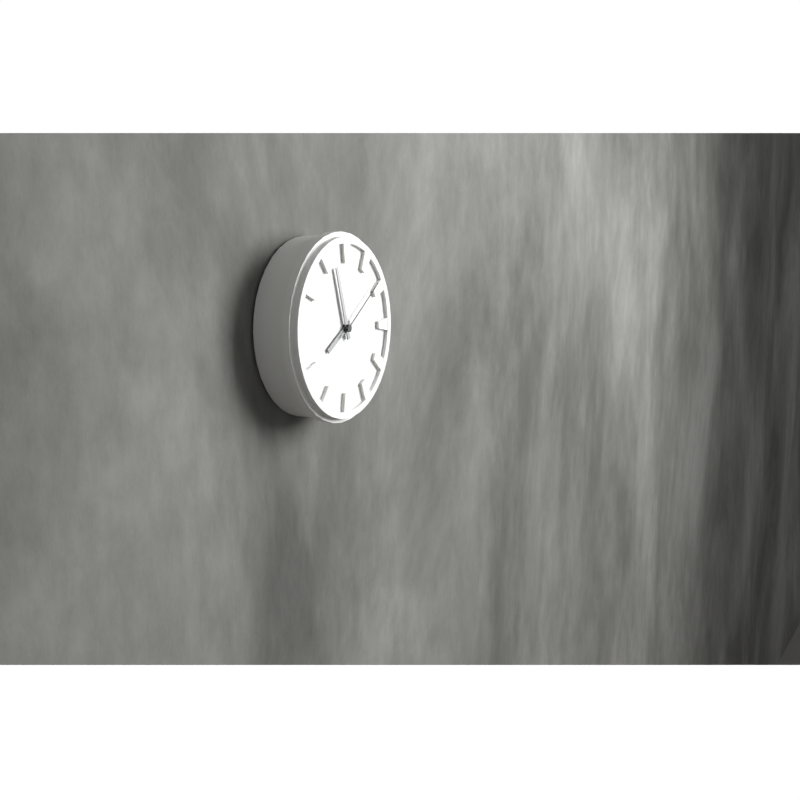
{"hour": 7, "minute": 57, "second": 9}
